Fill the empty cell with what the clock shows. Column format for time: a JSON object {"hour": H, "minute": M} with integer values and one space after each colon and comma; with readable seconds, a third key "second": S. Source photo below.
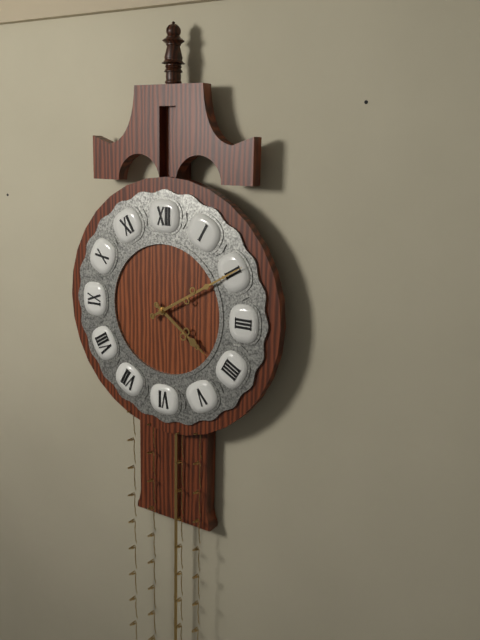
{"hour": 4, "minute": 10}
